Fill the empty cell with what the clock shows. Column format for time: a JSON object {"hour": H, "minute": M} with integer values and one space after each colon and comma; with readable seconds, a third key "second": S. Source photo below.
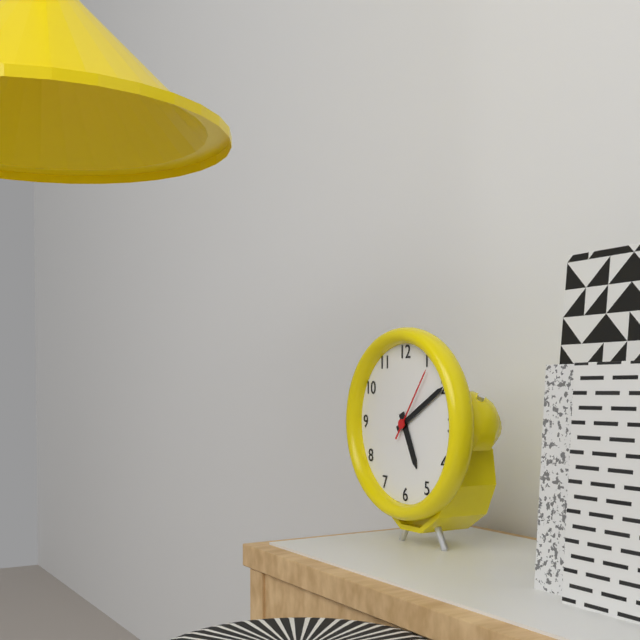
{"hour": 5, "minute": 10, "second": 6}
